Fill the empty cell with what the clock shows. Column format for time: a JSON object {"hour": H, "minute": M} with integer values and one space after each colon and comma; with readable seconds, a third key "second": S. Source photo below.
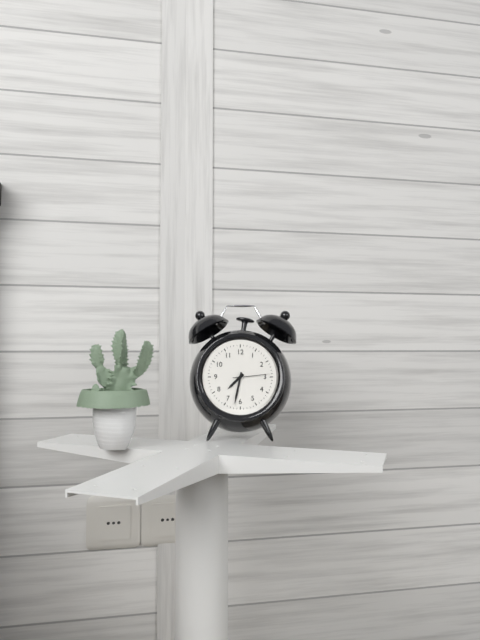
{"hour": 7, "minute": 32}
